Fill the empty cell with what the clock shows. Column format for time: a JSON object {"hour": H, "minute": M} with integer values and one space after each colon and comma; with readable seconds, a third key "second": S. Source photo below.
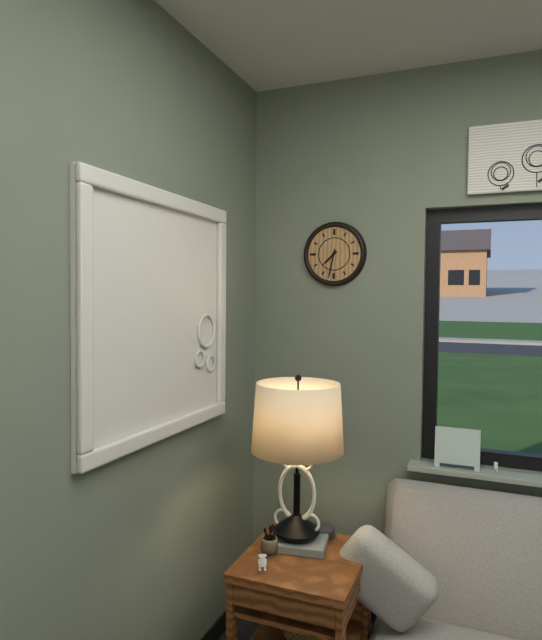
{"hour": 7, "minute": 32}
